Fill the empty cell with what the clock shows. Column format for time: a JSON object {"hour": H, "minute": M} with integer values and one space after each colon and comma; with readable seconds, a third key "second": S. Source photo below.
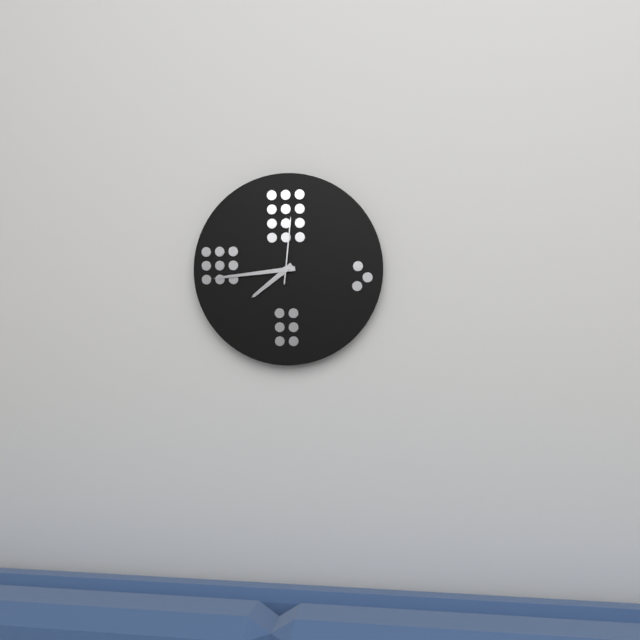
{"hour": 7, "minute": 44, "second": 1}
